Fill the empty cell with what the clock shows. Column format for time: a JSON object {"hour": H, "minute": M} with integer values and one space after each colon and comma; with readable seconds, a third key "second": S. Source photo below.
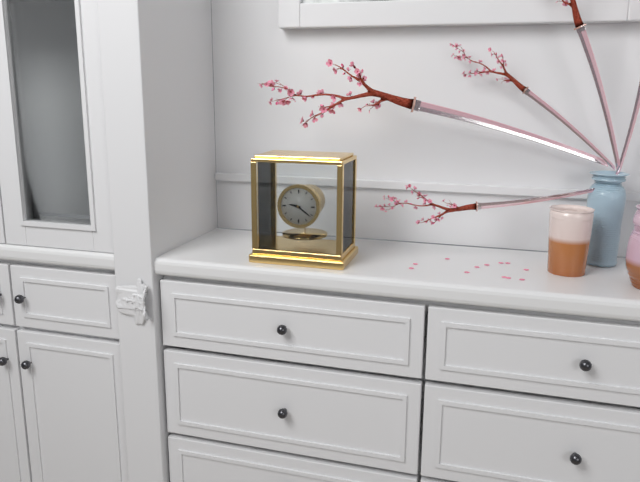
{"hour": 9, "minute": 21}
